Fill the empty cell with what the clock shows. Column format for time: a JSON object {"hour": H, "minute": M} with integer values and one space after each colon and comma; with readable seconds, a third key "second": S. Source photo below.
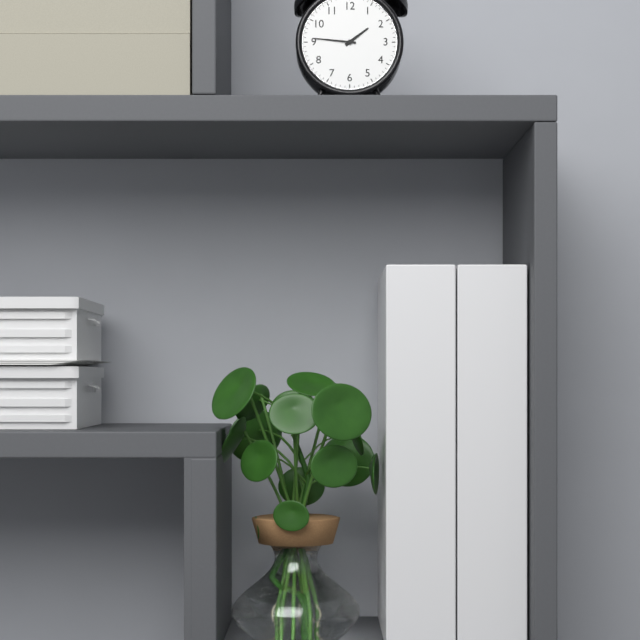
{"hour": 1, "minute": 46}
